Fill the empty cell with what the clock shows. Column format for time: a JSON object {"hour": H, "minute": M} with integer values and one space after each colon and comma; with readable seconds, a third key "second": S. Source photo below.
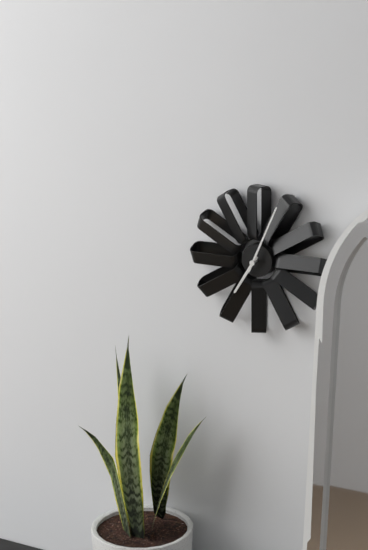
{"hour": 7, "minute": 4}
